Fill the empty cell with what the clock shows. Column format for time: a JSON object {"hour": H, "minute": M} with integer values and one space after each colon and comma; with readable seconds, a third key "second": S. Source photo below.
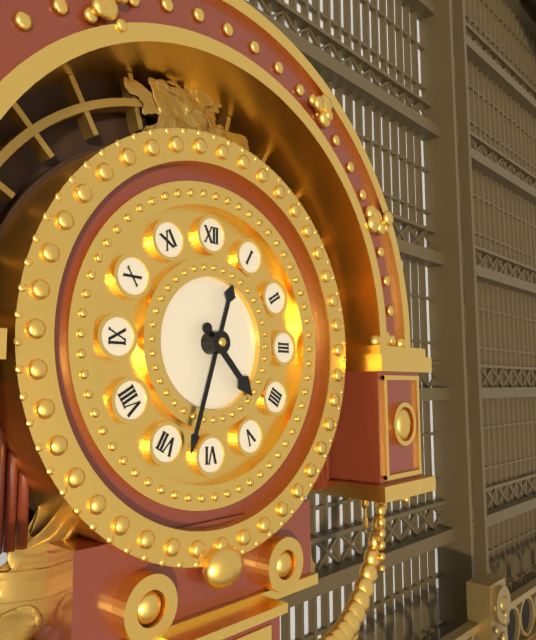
{"hour": 4, "minute": 33}
